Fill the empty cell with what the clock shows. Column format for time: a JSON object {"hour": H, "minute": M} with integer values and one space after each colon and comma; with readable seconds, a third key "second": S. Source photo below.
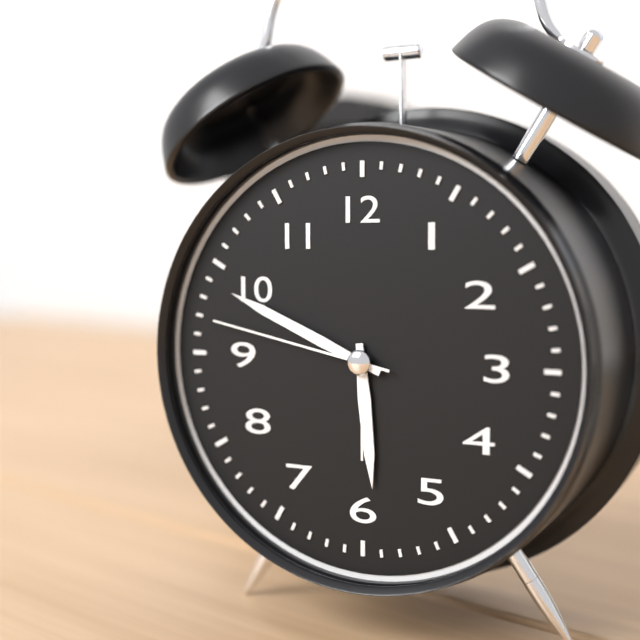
{"hour": 5, "minute": 49, "second": 47}
